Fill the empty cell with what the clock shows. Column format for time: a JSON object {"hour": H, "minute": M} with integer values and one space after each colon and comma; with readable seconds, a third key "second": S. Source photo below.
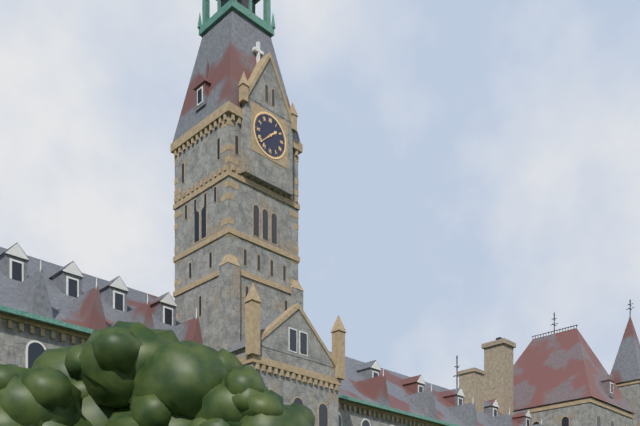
{"hour": 1, "minute": 38}
